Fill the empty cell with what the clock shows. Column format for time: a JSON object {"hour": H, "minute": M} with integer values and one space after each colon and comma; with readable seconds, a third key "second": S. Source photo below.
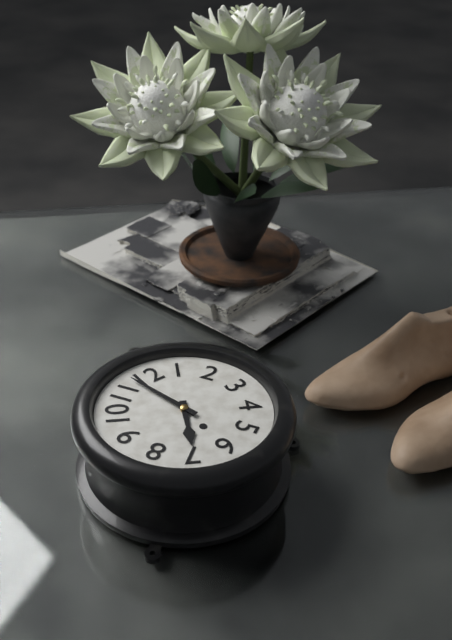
{"hour": 6, "minute": 58}
